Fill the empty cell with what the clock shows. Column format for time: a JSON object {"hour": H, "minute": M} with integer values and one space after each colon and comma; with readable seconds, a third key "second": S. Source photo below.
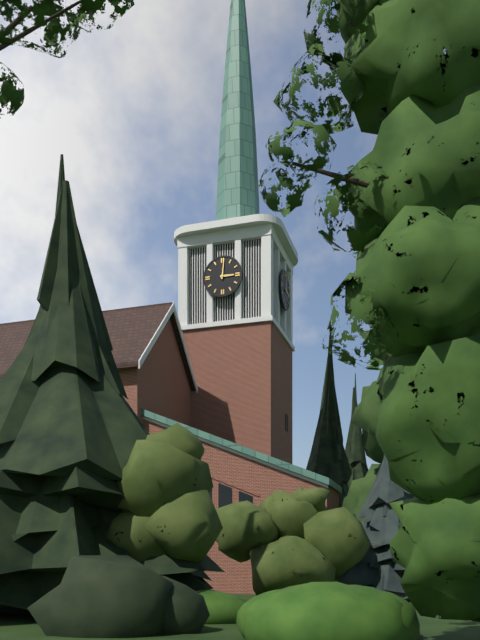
{"hour": 3, "minute": 1}
